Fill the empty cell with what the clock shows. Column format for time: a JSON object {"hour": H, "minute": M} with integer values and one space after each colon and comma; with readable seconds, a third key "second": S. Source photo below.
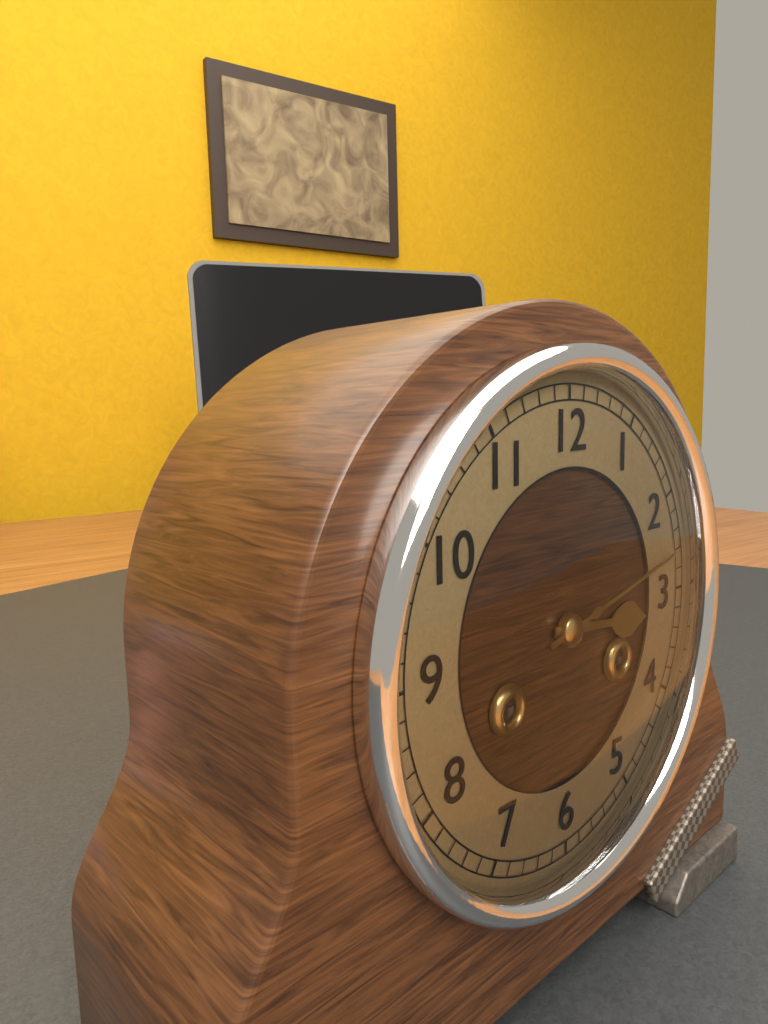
{"hour": 3, "minute": 13}
